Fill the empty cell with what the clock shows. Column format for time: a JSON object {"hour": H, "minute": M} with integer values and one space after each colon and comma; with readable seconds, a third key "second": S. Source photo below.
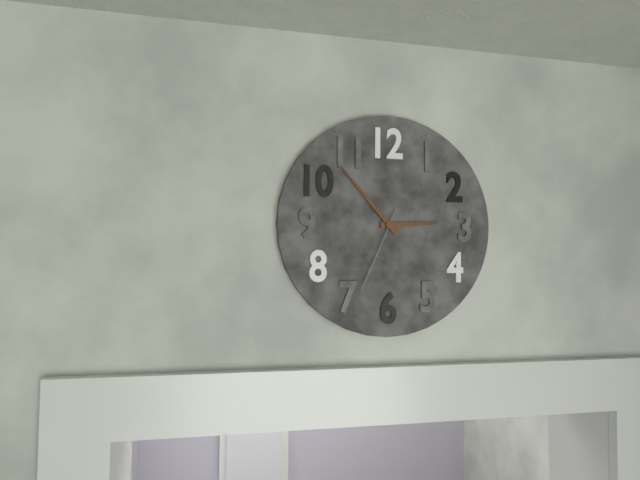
{"hour": 2, "minute": 53, "second": 34}
